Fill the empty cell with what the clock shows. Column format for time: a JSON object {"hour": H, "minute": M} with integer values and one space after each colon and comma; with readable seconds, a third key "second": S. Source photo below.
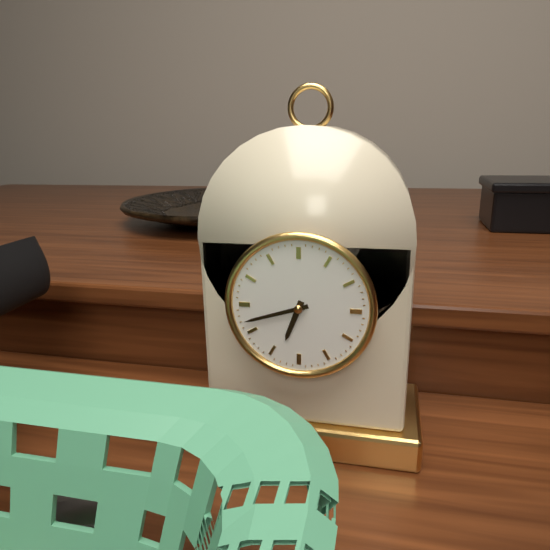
{"hour": 6, "minute": 42}
